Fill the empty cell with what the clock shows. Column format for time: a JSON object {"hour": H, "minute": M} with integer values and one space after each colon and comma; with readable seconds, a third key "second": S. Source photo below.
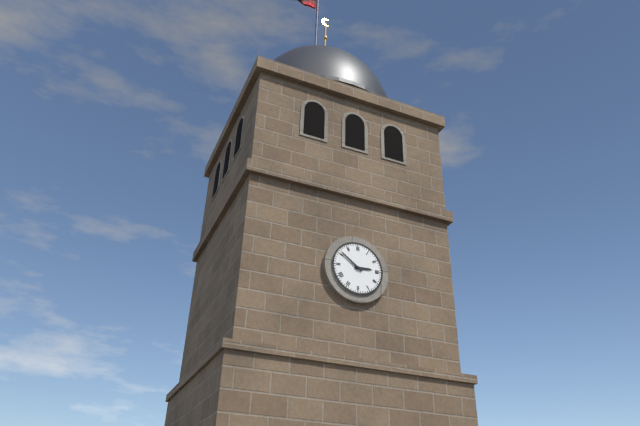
{"hour": 2, "minute": 51}
